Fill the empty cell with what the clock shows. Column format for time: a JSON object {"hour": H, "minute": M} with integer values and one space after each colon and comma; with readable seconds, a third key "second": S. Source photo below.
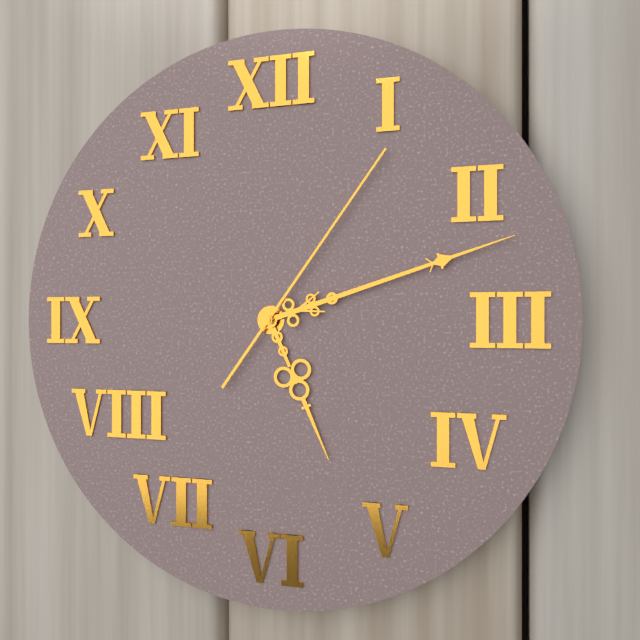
{"hour": 5, "minute": 12, "second": 6}
